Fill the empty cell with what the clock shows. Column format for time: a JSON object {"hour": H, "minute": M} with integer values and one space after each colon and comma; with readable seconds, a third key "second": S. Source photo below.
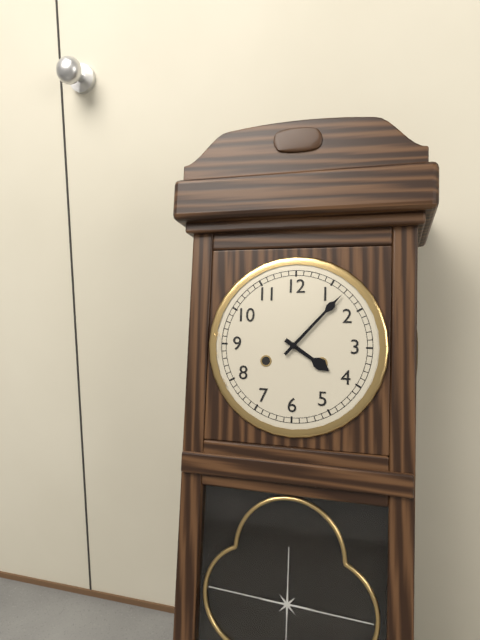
{"hour": 4, "minute": 7}
